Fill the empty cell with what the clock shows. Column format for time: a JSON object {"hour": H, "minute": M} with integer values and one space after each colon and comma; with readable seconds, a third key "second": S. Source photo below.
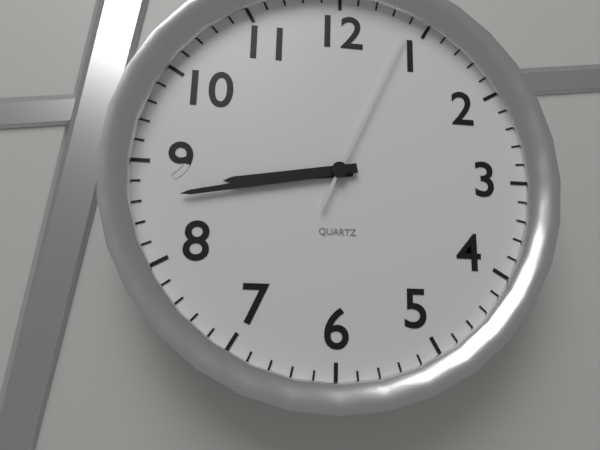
{"hour": 8, "minute": 43, "second": 4}
